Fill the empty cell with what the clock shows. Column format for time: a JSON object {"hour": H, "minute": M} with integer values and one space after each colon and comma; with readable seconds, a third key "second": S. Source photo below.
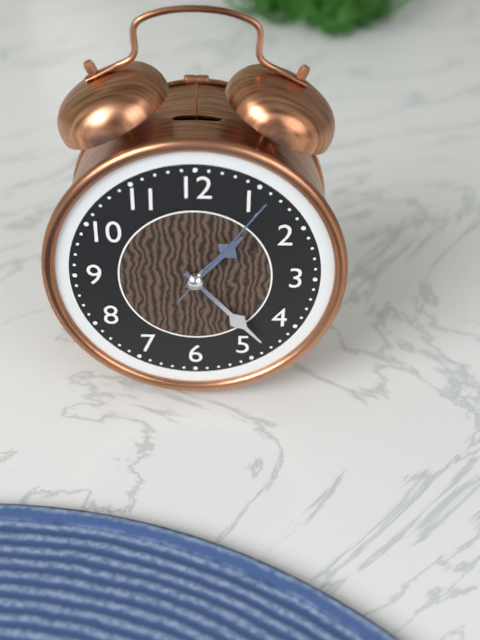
{"hour": 1, "minute": 23, "second": 6}
